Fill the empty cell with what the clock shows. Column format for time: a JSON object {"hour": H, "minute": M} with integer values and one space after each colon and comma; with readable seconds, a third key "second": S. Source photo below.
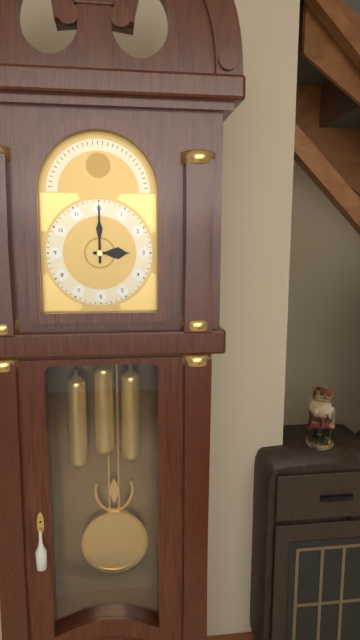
{"hour": 3, "minute": 0}
